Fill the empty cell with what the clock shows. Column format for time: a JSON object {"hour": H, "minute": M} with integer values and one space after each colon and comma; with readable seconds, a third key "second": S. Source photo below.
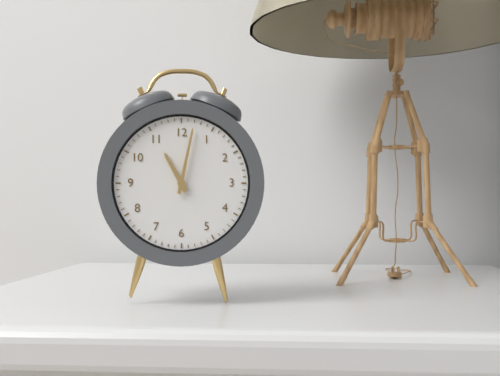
{"hour": 11, "minute": 2}
